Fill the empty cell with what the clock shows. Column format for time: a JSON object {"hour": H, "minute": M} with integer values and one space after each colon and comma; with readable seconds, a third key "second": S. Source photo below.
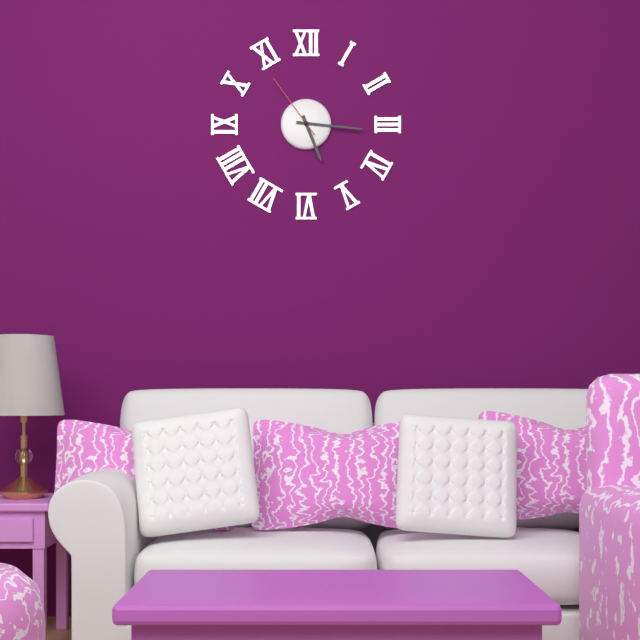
{"hour": 5, "minute": 16, "second": 54}
